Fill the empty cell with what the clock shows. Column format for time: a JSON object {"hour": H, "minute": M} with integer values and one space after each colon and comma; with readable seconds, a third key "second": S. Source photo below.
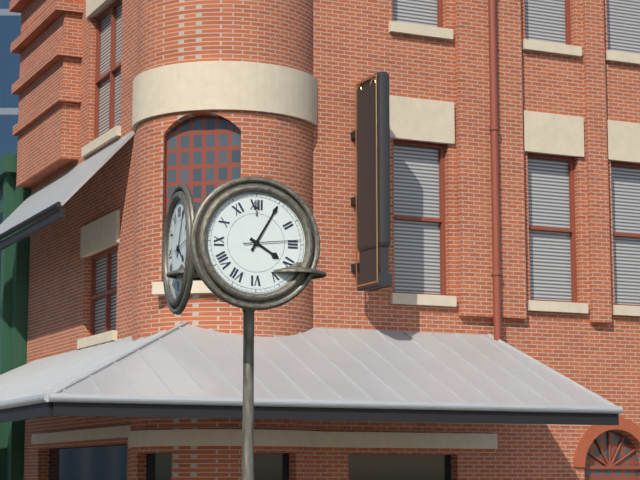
{"hour": 4, "minute": 5, "second": 14}
